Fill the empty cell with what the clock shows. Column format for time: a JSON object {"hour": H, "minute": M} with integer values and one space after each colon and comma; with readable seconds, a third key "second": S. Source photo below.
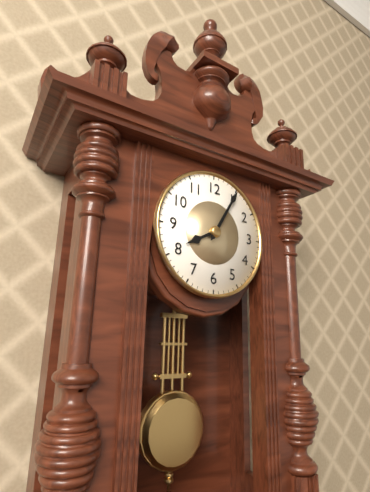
{"hour": 8, "minute": 5}
